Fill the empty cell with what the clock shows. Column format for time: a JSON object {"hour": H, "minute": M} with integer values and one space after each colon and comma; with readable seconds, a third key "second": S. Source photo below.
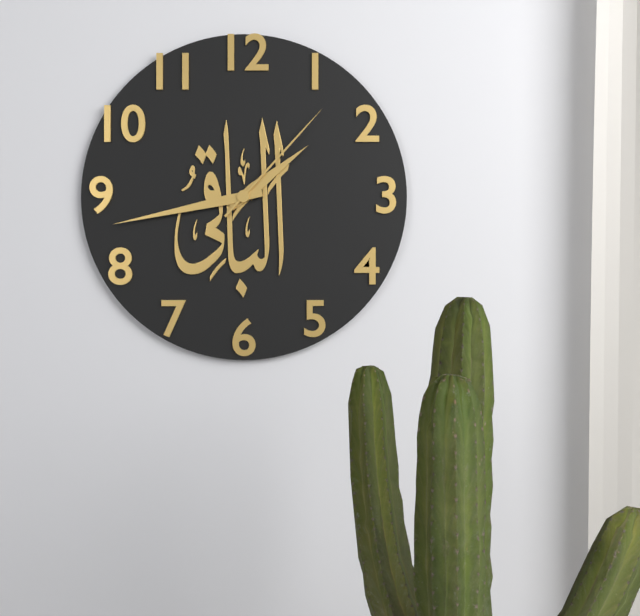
{"hour": 1, "minute": 43, "second": 7}
